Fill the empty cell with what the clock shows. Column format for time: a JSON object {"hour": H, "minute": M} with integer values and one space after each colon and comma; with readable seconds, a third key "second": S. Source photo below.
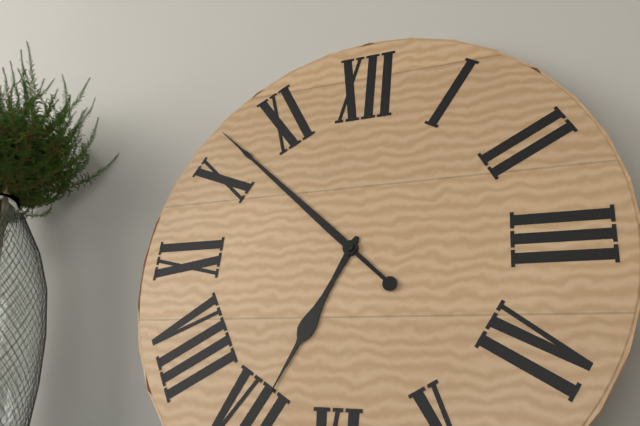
{"hour": 6, "minute": 52}
